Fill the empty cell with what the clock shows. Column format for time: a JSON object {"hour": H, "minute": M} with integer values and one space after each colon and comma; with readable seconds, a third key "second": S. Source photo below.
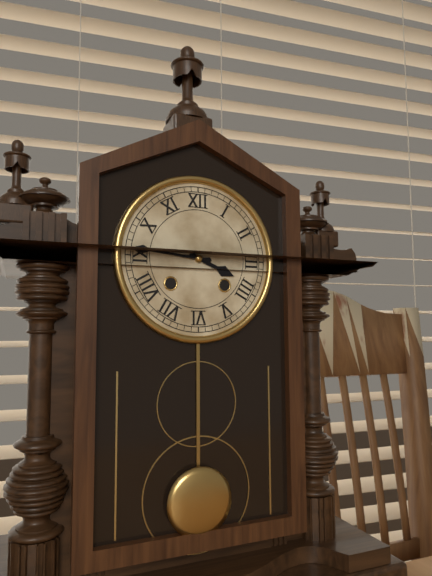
{"hour": 3, "minute": 46}
